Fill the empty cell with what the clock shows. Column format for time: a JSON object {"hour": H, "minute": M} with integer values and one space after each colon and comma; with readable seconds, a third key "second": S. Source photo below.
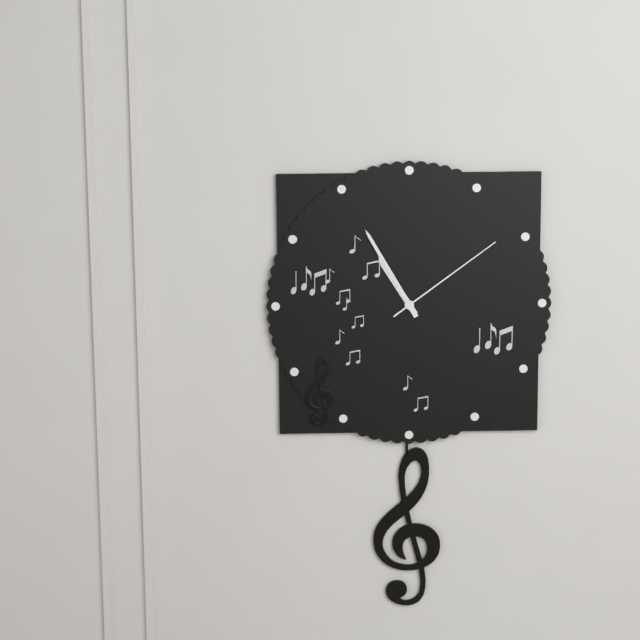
{"hour": 10, "minute": 55, "second": 9}
